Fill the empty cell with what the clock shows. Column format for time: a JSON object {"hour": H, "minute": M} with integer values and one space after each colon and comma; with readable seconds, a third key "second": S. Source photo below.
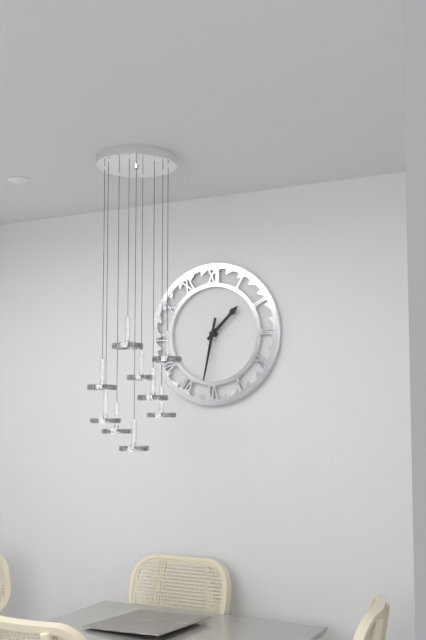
{"hour": 1, "minute": 32}
